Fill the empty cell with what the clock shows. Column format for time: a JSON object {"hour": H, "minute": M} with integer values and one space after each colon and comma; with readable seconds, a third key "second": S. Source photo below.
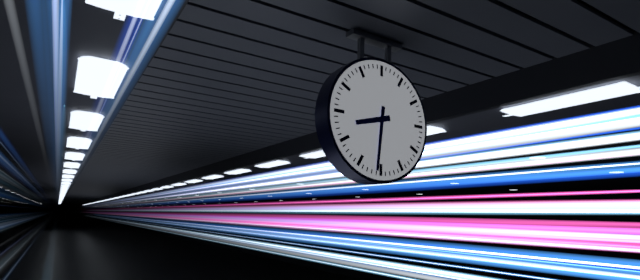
{"hour": 8, "minute": 31}
